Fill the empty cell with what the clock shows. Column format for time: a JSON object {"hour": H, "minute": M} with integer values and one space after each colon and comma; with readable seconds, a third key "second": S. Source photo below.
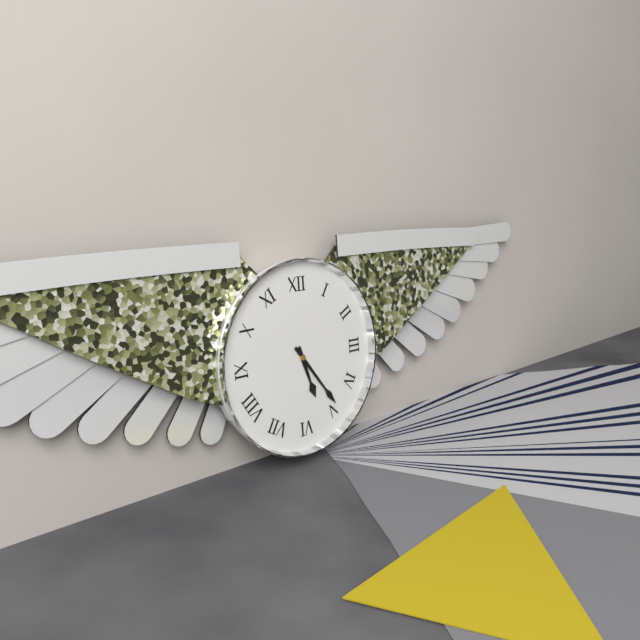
{"hour": 5, "minute": 24}
